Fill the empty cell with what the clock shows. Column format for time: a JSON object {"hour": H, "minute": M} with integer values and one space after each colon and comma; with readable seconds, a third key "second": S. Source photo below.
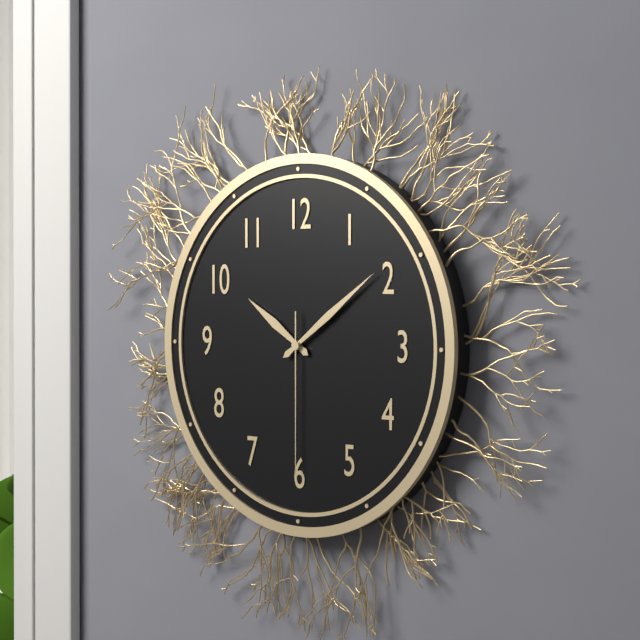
{"hour": 10, "minute": 9, "second": 30}
